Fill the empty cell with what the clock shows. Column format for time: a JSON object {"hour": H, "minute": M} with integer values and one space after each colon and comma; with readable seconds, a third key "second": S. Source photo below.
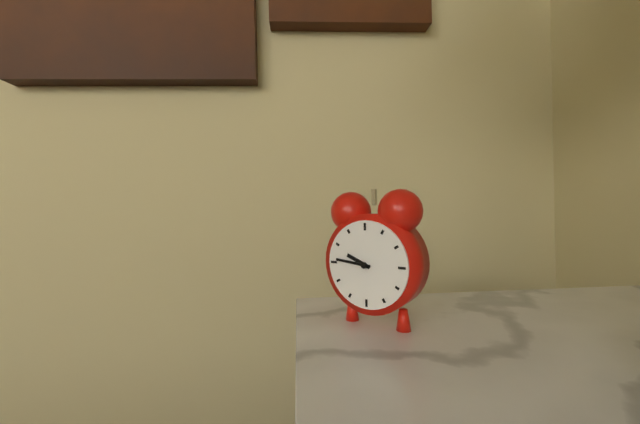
{"hour": 9, "minute": 46}
